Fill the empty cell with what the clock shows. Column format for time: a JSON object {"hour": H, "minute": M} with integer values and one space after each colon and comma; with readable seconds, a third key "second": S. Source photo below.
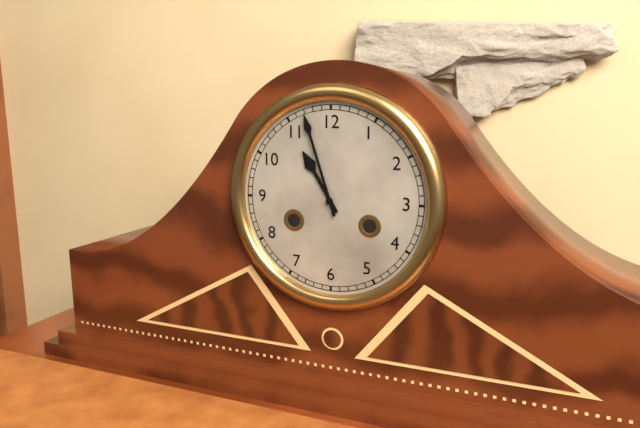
{"hour": 10, "minute": 57}
